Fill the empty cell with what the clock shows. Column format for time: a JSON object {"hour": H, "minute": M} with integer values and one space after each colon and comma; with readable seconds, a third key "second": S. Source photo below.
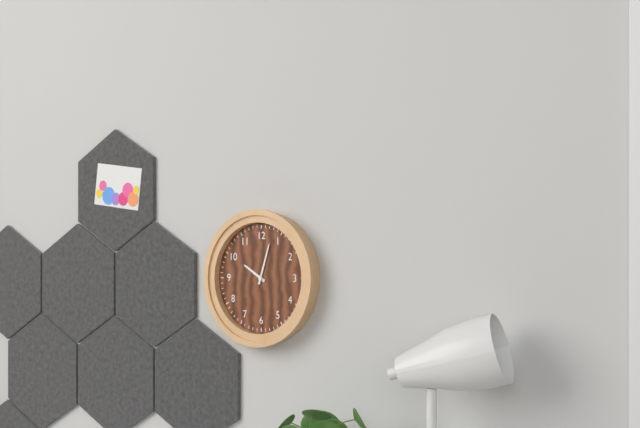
{"hour": 10, "minute": 3}
